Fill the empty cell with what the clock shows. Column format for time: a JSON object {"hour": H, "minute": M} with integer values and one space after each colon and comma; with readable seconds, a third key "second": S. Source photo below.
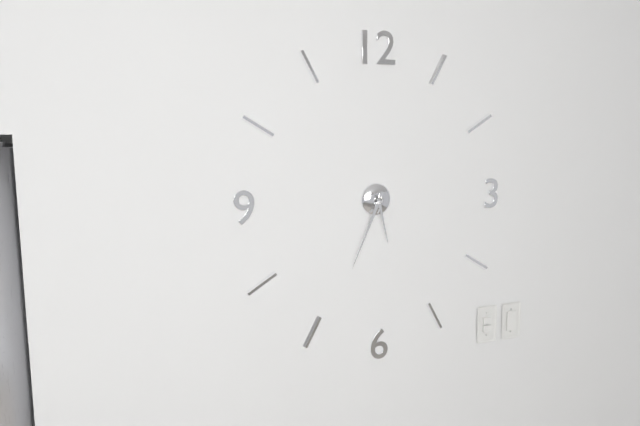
{"hour": 5, "minute": 34}
